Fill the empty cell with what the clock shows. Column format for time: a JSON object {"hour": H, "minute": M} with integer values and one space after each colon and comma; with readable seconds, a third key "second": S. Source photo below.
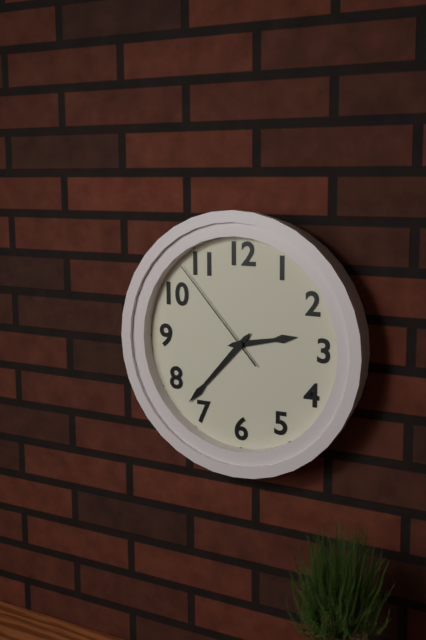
{"hour": 2, "minute": 37, "second": 53}
